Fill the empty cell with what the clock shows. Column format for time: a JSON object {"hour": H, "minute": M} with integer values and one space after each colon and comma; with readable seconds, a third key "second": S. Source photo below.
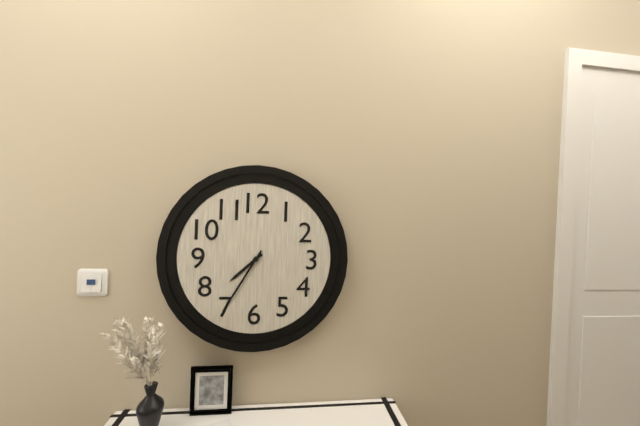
{"hour": 7, "minute": 35}
